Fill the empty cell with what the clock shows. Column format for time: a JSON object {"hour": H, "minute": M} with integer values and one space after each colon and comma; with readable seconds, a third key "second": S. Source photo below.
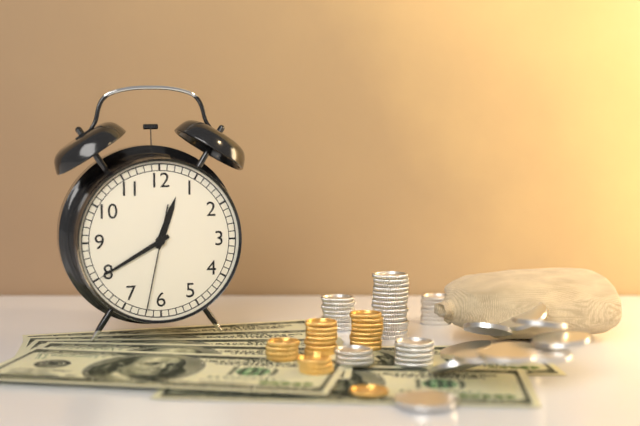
{"hour": 12, "minute": 40, "second": 32}
